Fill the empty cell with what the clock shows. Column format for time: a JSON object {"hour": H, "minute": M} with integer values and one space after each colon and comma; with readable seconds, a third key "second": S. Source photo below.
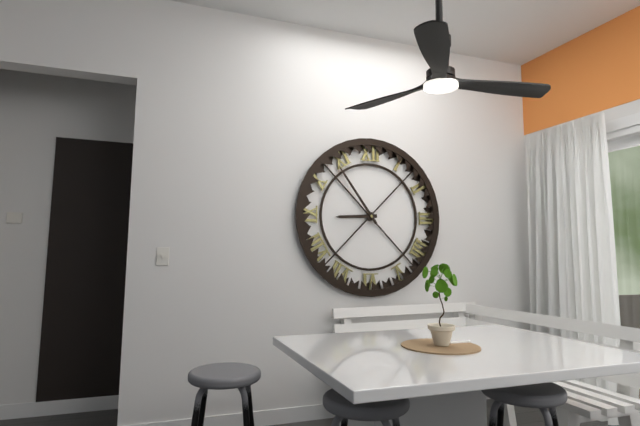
{"hour": 8, "minute": 54}
